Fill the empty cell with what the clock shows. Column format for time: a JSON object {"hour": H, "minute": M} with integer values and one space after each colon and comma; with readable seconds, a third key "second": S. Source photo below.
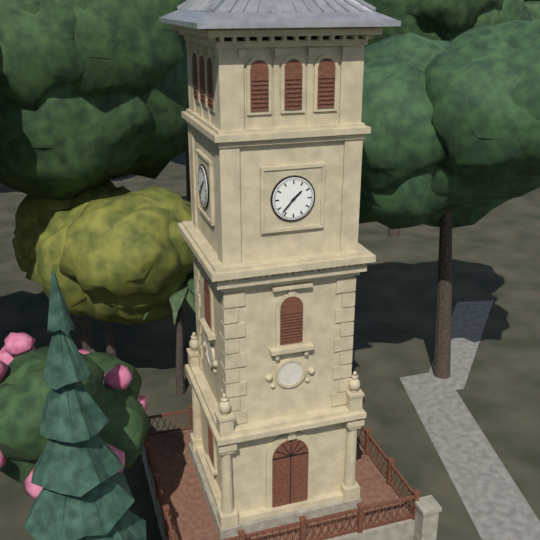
{"hour": 1, "minute": 37}
